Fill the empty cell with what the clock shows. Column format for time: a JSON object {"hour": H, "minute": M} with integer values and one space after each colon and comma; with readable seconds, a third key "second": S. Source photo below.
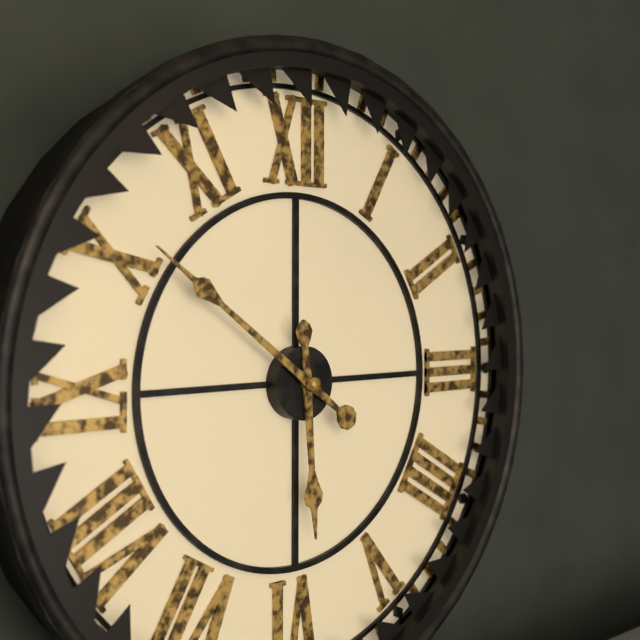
{"hour": 5, "minute": 51}
